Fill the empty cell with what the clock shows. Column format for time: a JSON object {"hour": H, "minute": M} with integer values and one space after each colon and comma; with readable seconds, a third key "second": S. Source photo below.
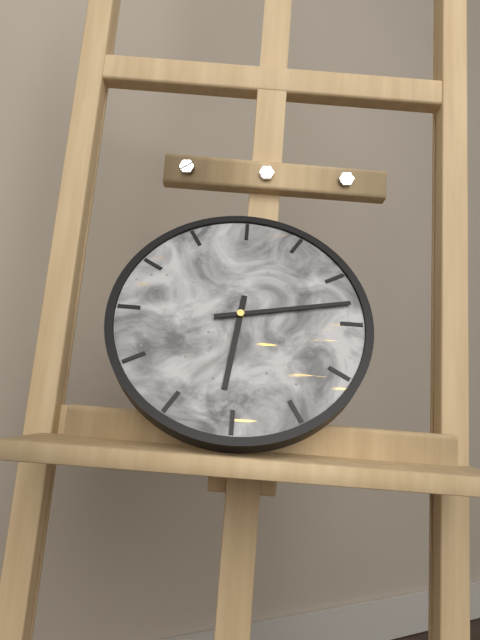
{"hour": 6, "minute": 13}
